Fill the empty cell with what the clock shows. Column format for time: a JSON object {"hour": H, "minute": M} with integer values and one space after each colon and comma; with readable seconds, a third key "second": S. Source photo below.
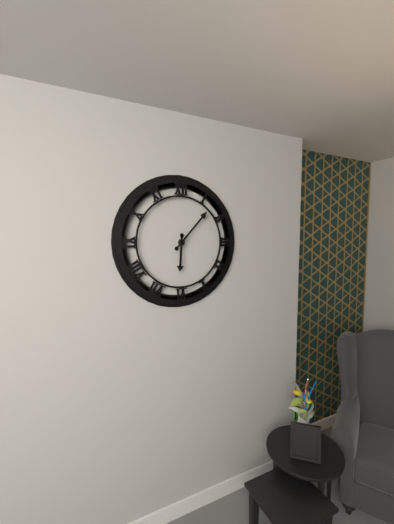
{"hour": 6, "minute": 7}
